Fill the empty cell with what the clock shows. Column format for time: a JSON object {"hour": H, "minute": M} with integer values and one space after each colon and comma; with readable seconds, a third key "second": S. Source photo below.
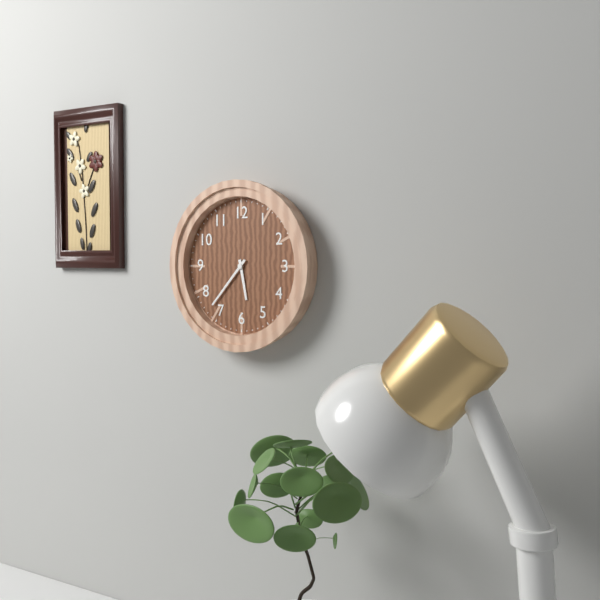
{"hour": 5, "minute": 37}
